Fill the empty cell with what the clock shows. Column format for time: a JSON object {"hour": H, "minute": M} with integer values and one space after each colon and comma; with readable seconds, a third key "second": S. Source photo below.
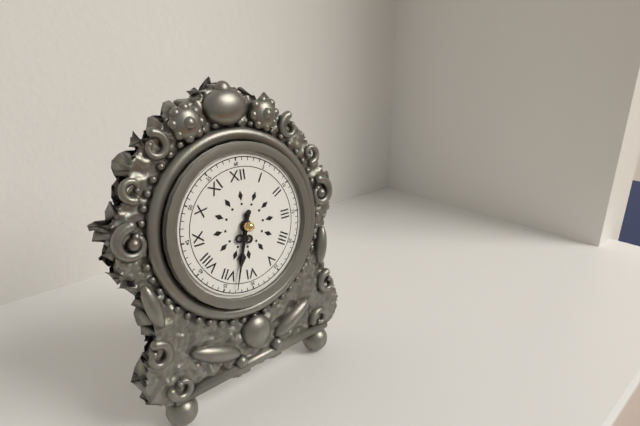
{"hour": 6, "minute": 33}
